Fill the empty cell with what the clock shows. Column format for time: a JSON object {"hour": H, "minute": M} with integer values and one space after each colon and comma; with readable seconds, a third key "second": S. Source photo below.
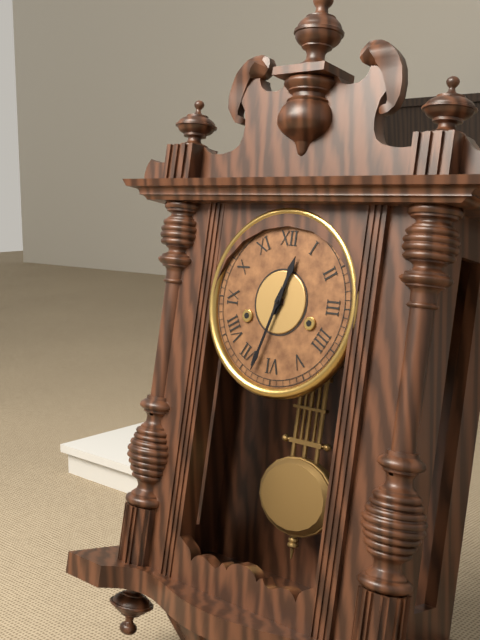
{"hour": 12, "minute": 33}
